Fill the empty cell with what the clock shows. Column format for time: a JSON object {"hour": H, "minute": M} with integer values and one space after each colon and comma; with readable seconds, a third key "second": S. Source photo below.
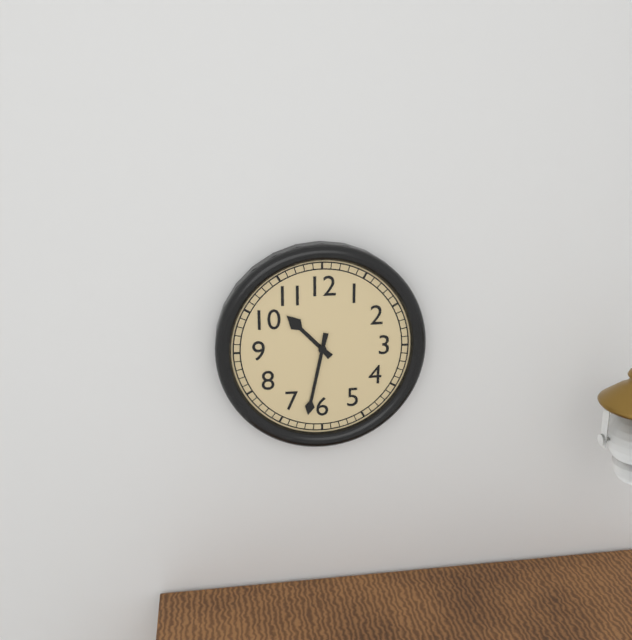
{"hour": 10, "minute": 32}
